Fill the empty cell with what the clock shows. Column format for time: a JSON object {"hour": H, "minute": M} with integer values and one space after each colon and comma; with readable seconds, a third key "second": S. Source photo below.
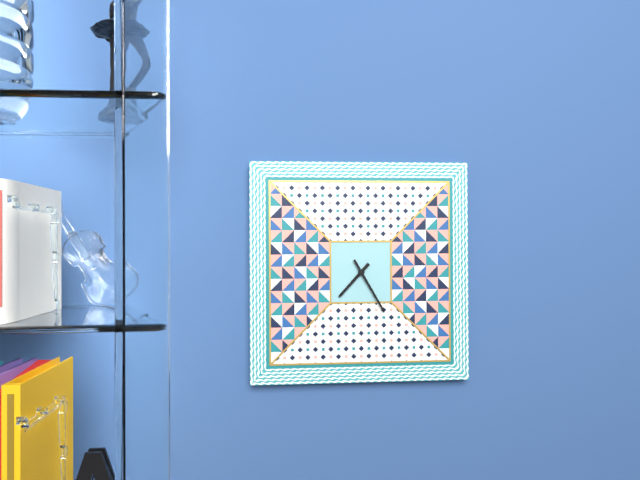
{"hour": 7, "minute": 25}
